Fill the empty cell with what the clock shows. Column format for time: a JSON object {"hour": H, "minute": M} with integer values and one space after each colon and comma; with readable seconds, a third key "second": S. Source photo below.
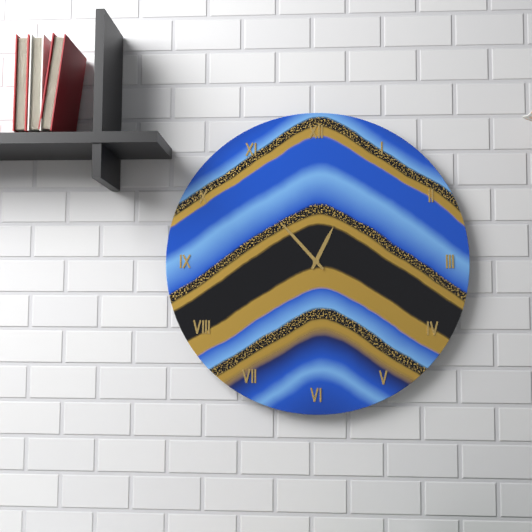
{"hour": 12, "minute": 53}
